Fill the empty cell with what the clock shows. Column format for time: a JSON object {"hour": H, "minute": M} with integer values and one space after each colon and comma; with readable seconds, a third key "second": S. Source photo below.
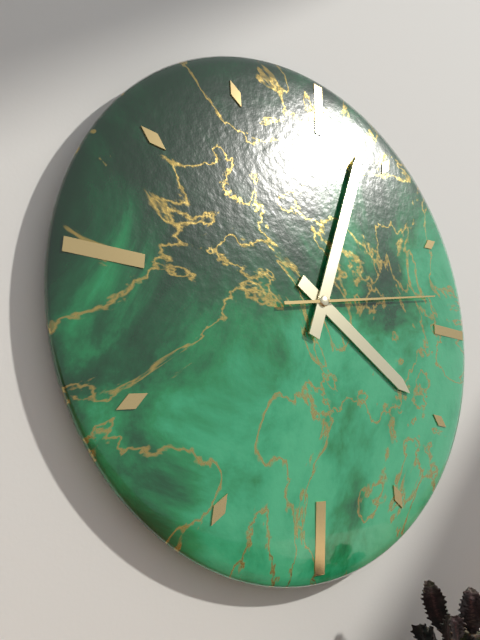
{"hour": 4, "minute": 3, "second": 13}
